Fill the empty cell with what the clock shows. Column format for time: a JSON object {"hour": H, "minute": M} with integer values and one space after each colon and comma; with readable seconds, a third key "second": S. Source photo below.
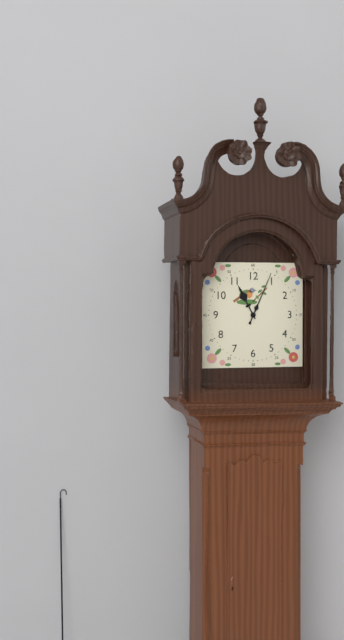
{"hour": 11, "minute": 4}
